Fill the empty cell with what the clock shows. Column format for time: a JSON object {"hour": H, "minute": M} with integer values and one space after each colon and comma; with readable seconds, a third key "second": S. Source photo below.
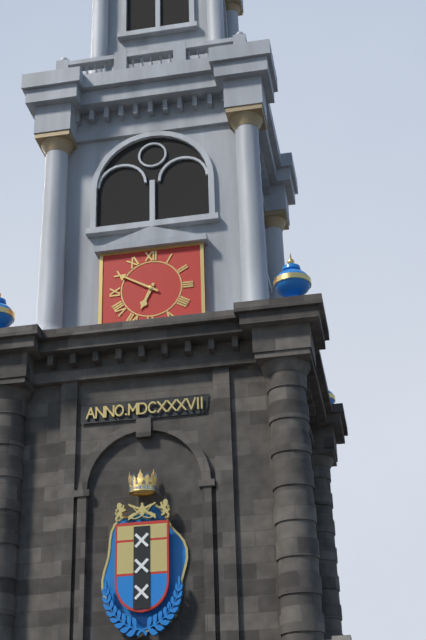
{"hour": 6, "minute": 50}
